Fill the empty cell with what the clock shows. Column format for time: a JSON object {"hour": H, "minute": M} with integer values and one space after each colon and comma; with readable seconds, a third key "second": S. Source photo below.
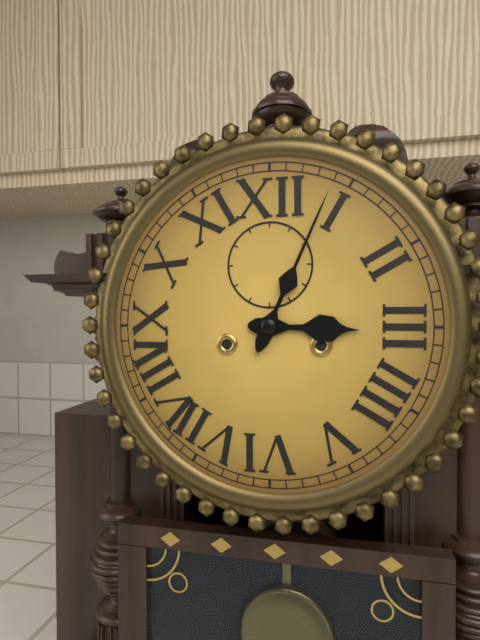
{"hour": 3, "minute": 4}
